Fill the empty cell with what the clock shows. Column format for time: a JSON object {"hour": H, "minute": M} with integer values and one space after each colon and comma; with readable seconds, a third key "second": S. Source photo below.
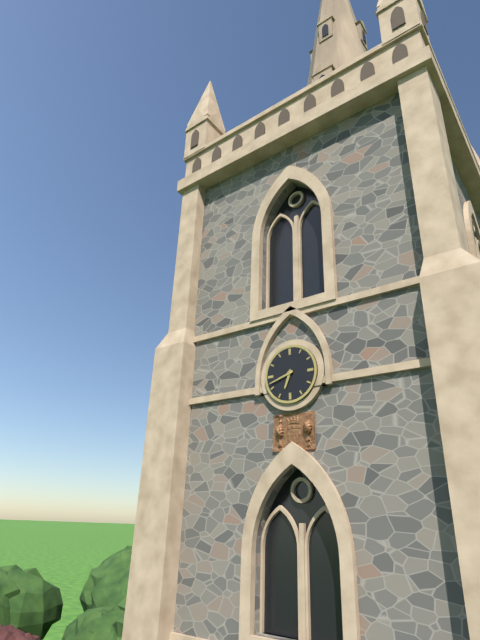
{"hour": 6, "minute": 42}
